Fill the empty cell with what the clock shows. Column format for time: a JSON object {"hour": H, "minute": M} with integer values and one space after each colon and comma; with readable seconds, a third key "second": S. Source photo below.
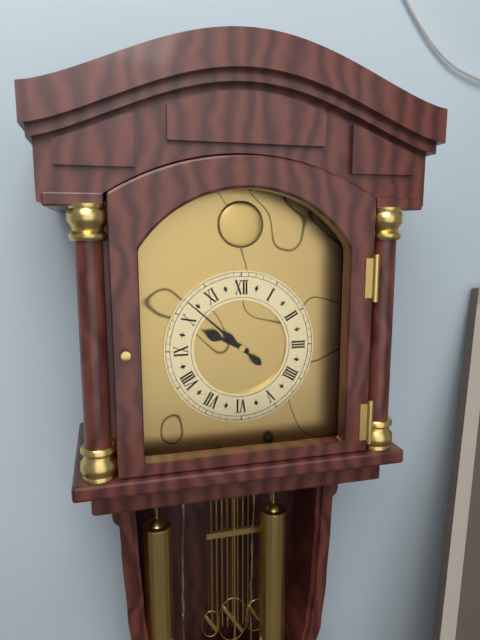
{"hour": 9, "minute": 52}
